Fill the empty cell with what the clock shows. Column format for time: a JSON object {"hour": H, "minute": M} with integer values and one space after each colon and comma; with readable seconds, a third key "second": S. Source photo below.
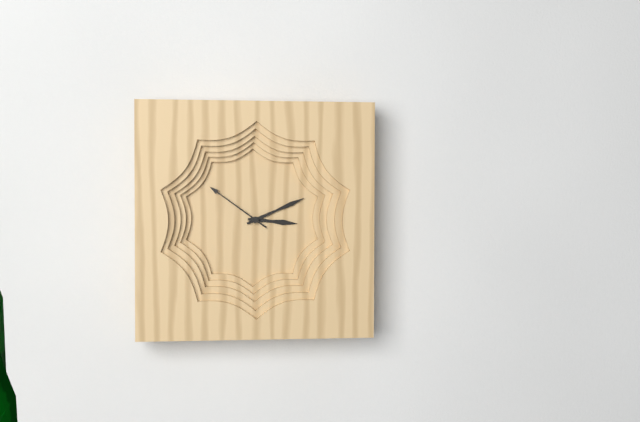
{"hour": 3, "minute": 11, "second": 51}
